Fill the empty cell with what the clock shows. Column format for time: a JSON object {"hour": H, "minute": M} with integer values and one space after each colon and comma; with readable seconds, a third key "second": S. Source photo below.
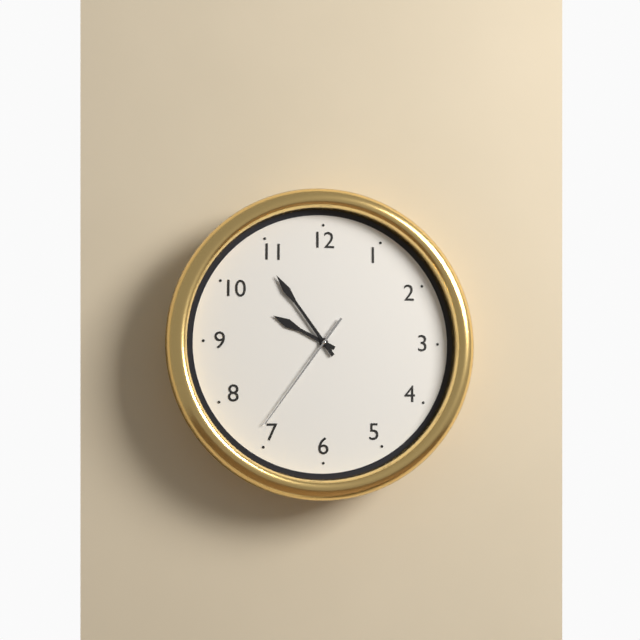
{"hour": 9, "minute": 54, "second": 36}
